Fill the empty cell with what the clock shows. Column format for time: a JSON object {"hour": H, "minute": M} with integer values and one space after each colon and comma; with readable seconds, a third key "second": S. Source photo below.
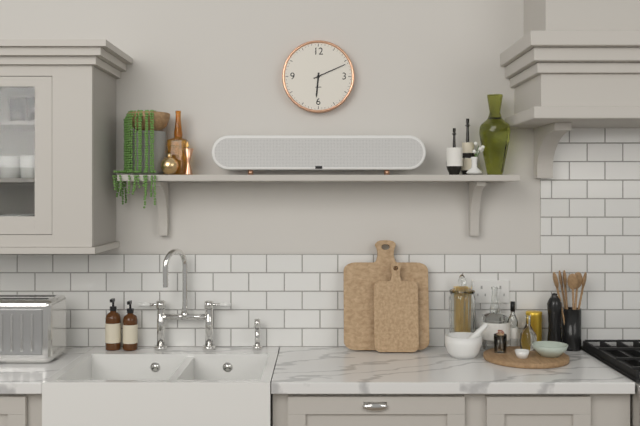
{"hour": 6, "minute": 11}
